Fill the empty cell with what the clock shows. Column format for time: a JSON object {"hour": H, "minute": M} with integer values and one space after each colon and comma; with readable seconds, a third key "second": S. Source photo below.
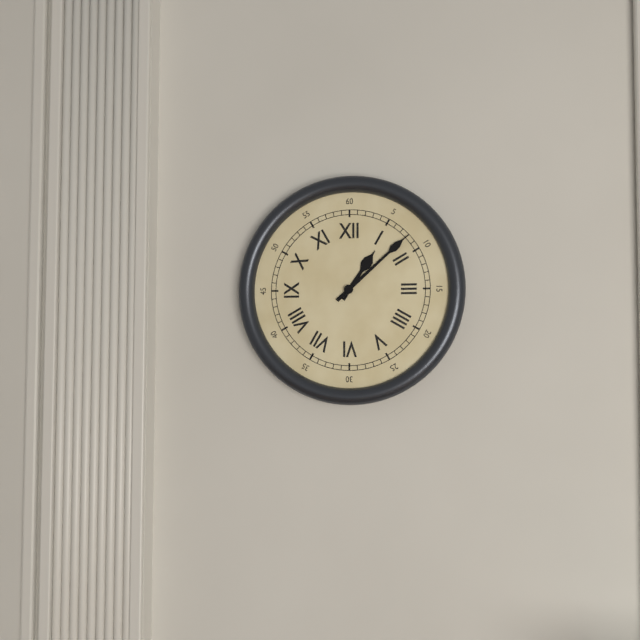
{"hour": 1, "minute": 8}
